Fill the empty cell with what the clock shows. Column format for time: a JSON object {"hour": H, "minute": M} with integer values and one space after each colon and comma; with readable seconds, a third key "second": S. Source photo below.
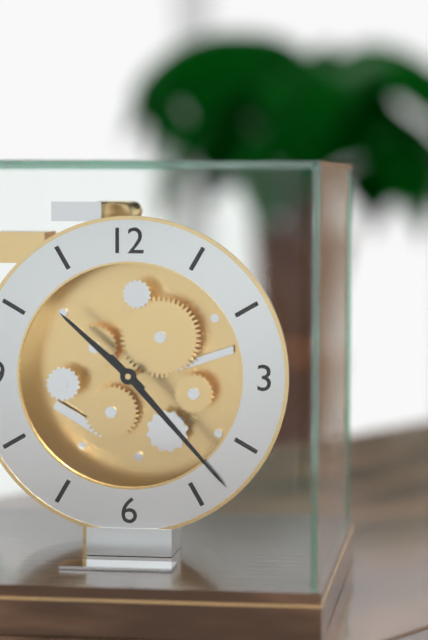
{"hour": 10, "minute": 23}
